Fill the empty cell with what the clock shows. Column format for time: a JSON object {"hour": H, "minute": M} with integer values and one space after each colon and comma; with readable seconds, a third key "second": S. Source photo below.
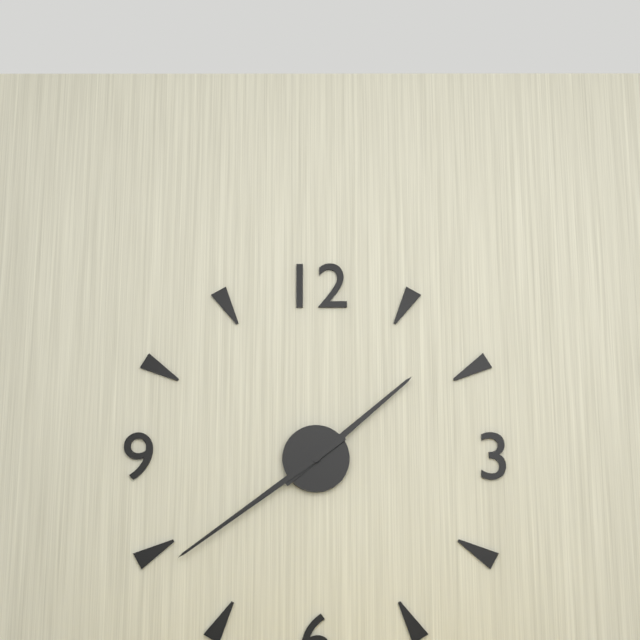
{"hour": 1, "minute": 39}
